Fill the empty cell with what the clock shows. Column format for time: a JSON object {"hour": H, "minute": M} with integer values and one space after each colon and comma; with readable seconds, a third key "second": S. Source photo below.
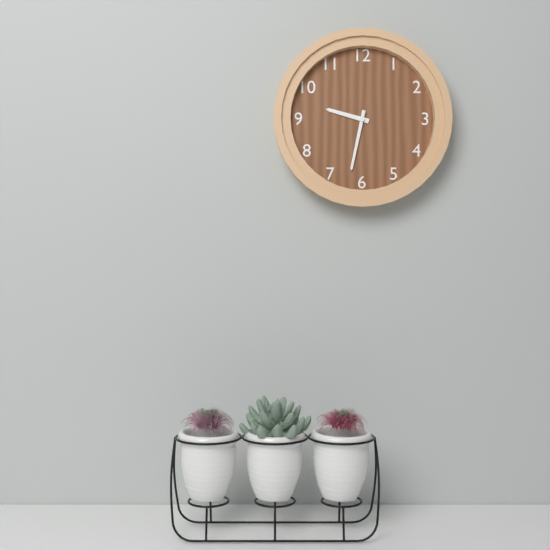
{"hour": 9, "minute": 32}
